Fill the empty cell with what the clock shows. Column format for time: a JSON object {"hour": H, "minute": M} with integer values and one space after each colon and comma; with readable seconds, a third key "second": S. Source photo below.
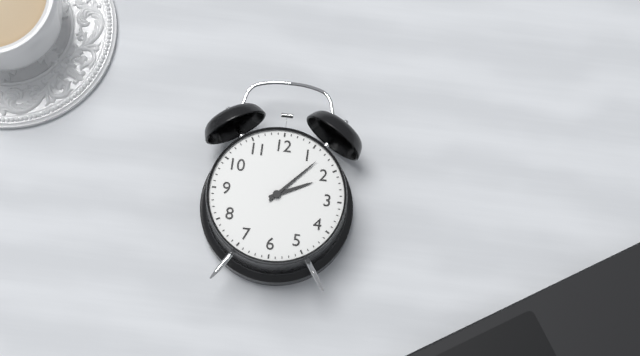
{"hour": 2, "minute": 7}
